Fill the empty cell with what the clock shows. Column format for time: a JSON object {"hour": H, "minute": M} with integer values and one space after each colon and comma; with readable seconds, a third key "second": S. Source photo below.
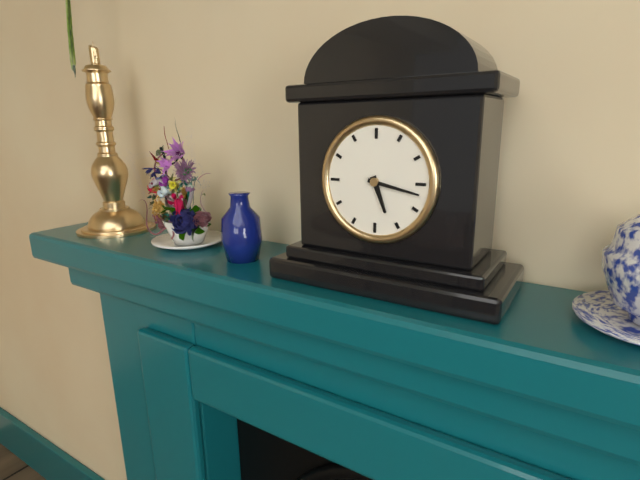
{"hour": 5, "minute": 17}
